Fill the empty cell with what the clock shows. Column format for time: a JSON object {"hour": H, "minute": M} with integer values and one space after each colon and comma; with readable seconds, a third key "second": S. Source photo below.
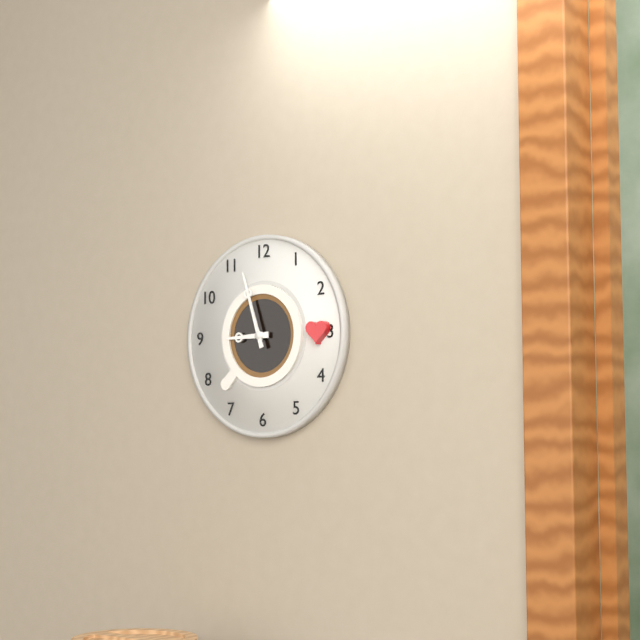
{"hour": 8, "minute": 57}
